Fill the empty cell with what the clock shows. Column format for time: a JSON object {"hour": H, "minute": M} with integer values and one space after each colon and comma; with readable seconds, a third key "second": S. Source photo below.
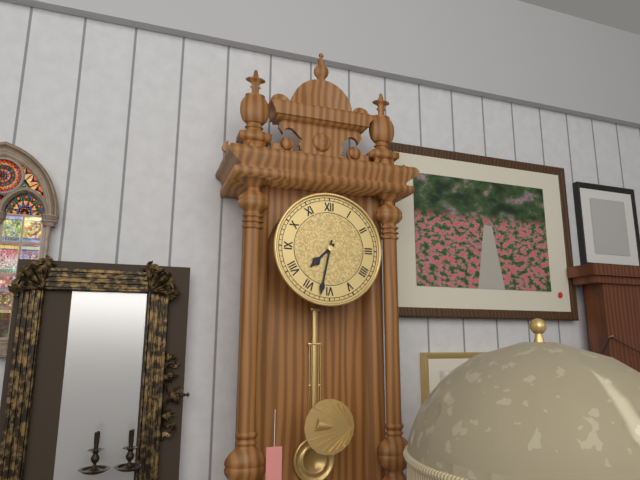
{"hour": 7, "minute": 32}
